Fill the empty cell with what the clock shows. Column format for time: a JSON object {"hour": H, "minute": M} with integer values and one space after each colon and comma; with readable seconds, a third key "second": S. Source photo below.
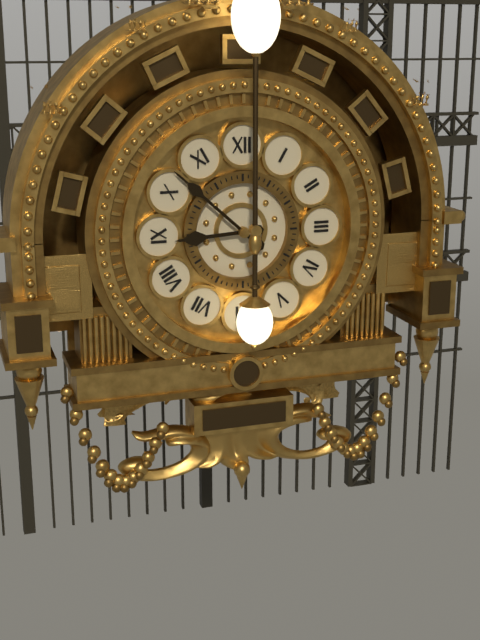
{"hour": 8, "minute": 52}
